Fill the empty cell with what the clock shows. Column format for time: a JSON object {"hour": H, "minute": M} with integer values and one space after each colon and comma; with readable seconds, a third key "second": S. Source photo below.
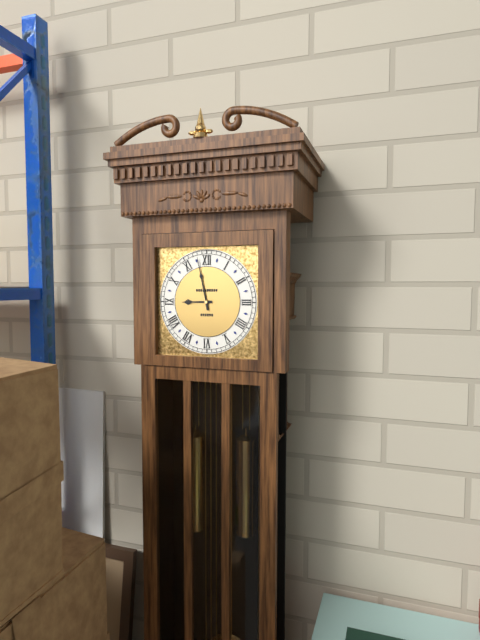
{"hour": 8, "minute": 58}
